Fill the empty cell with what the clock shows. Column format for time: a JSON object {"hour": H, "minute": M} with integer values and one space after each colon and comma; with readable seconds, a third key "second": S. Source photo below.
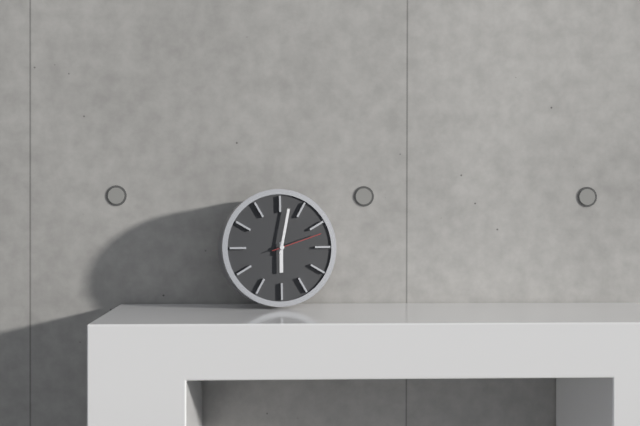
{"hour": 6, "minute": 2, "second": 12}
